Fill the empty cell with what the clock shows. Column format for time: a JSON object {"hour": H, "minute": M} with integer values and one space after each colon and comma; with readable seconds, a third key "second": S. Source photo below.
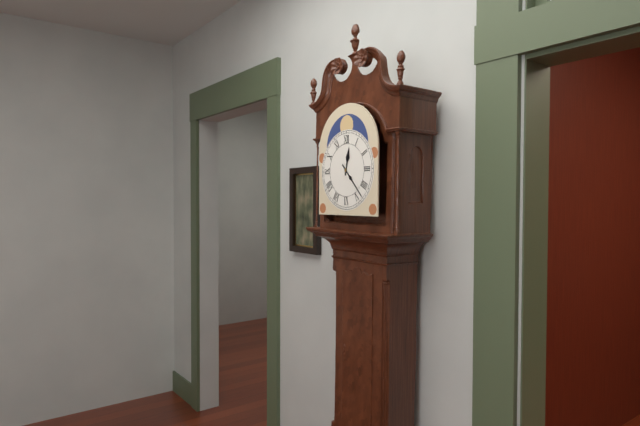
{"hour": 12, "minute": 23}
